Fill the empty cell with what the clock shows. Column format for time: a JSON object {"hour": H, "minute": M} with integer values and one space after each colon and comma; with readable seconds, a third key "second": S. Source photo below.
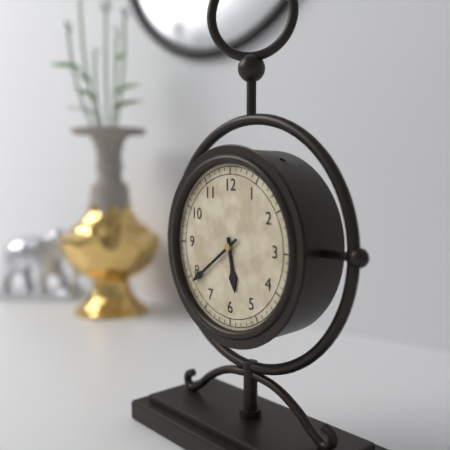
{"hour": 5, "minute": 39}
